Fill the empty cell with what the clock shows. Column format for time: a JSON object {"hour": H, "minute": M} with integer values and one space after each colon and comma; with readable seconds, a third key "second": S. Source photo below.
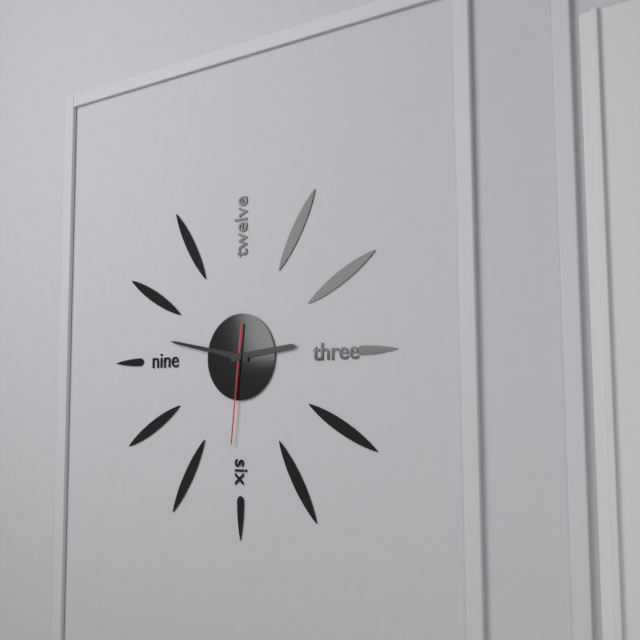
{"hour": 2, "minute": 47, "second": 31}
